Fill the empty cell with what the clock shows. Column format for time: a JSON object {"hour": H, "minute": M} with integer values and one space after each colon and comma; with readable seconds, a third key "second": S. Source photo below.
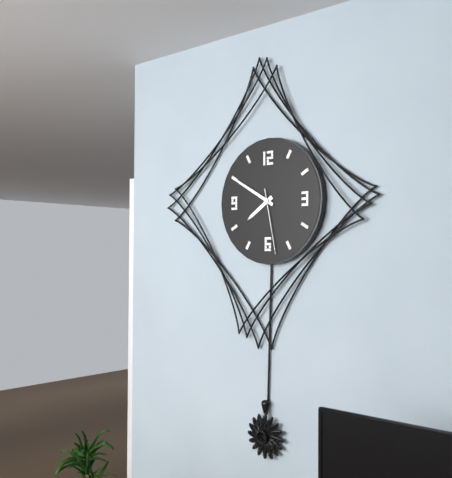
{"hour": 7, "minute": 50, "second": 28}
